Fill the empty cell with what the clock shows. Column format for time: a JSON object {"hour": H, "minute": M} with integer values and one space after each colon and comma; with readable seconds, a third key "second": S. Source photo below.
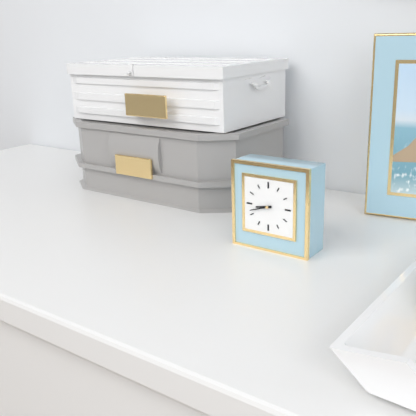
{"hour": 8, "minute": 42}
